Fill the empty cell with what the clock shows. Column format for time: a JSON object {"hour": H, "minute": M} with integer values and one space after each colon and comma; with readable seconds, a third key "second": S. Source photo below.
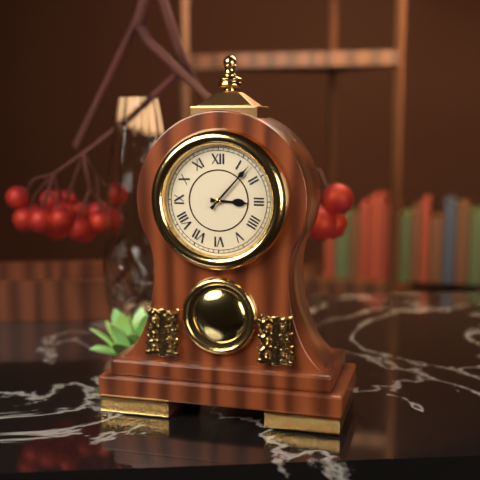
{"hour": 3, "minute": 7}
